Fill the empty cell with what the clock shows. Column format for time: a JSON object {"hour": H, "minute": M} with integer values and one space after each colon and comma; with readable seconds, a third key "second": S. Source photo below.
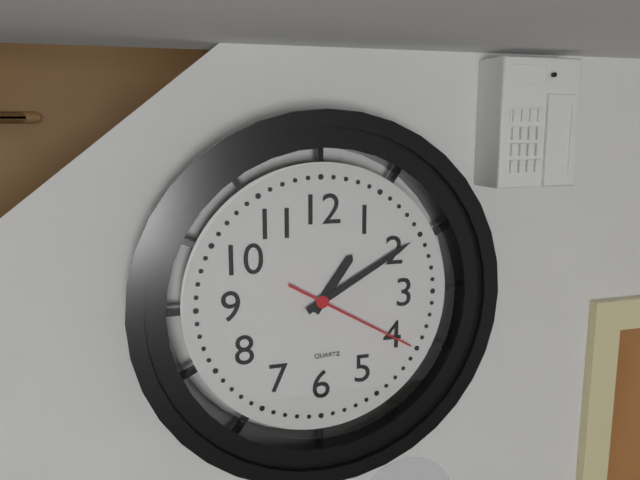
{"hour": 1, "minute": 10, "second": 20}
